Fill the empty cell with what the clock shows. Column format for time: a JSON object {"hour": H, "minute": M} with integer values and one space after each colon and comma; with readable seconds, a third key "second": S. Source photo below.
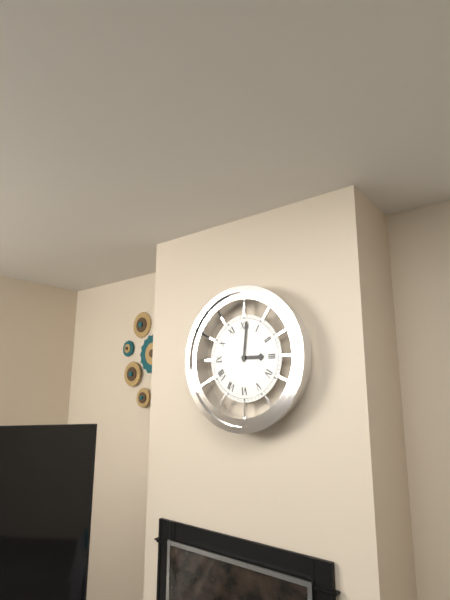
{"hour": 3, "minute": 1}
